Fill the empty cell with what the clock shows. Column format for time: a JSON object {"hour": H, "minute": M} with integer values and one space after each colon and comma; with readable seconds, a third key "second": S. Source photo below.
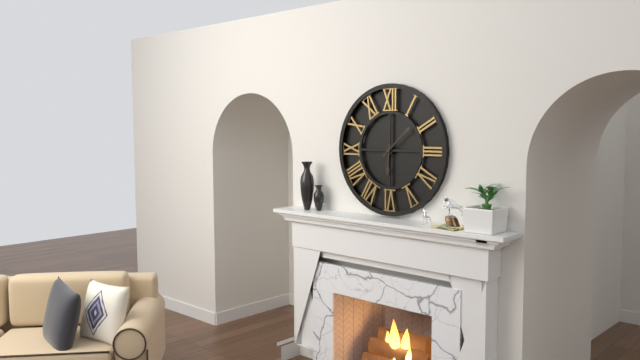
{"hour": 6, "minute": 8}
